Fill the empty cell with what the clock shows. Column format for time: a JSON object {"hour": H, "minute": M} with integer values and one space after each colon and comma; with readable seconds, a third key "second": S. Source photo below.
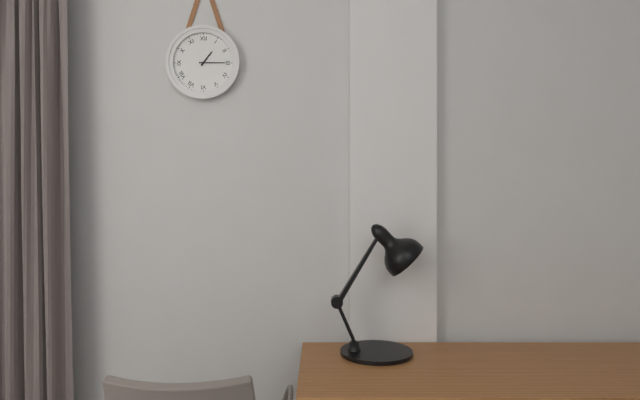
{"hour": 1, "minute": 15}
